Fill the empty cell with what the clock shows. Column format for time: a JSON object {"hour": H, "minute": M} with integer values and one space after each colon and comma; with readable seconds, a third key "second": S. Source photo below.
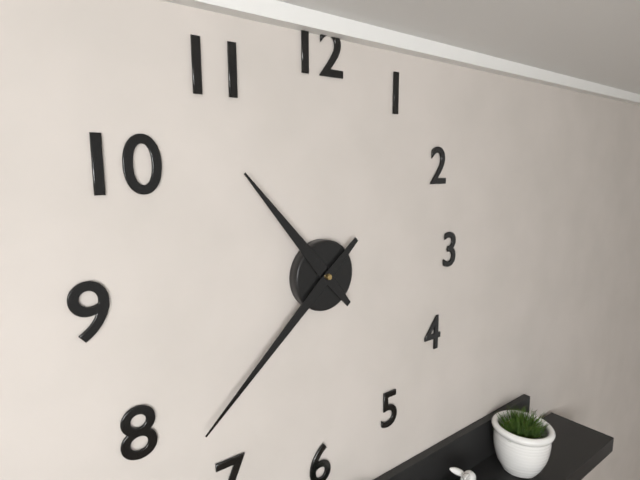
{"hour": 10, "minute": 38}
